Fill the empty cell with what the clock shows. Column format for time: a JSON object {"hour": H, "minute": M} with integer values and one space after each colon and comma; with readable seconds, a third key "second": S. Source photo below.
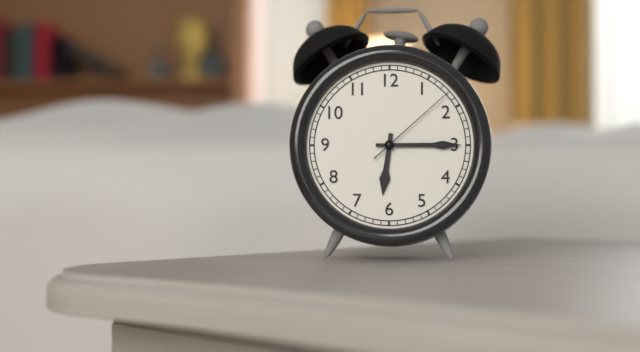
{"hour": 6, "minute": 15, "second": 8}
